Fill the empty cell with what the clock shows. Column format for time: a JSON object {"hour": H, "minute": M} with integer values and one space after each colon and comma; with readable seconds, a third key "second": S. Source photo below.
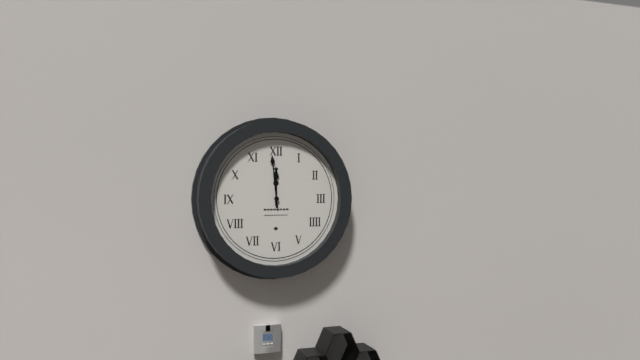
{"hour": 11, "minute": 59}
